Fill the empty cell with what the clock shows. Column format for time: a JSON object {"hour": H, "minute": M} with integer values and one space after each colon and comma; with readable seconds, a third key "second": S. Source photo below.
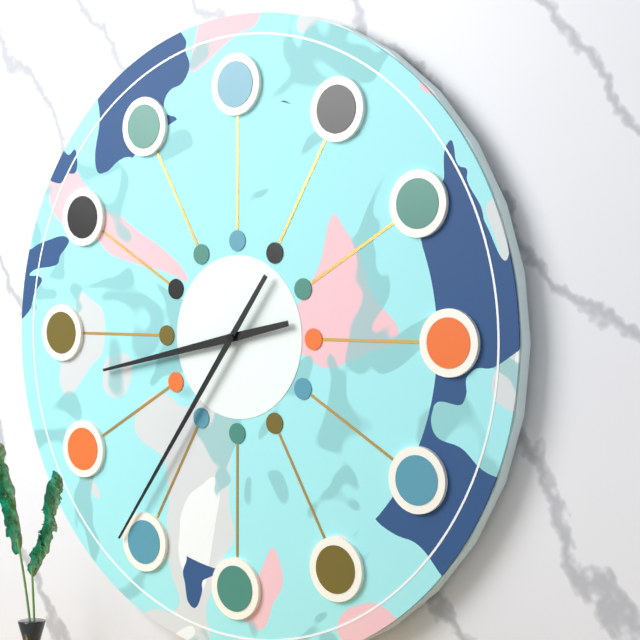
{"hour": 8, "minute": 36}
